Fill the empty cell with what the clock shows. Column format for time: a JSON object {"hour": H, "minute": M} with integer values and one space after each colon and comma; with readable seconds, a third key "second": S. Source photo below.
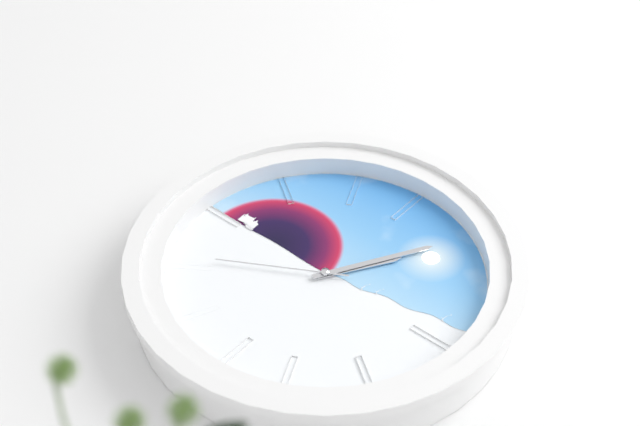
{"hour": 1, "minute": 5, "second": 40}
